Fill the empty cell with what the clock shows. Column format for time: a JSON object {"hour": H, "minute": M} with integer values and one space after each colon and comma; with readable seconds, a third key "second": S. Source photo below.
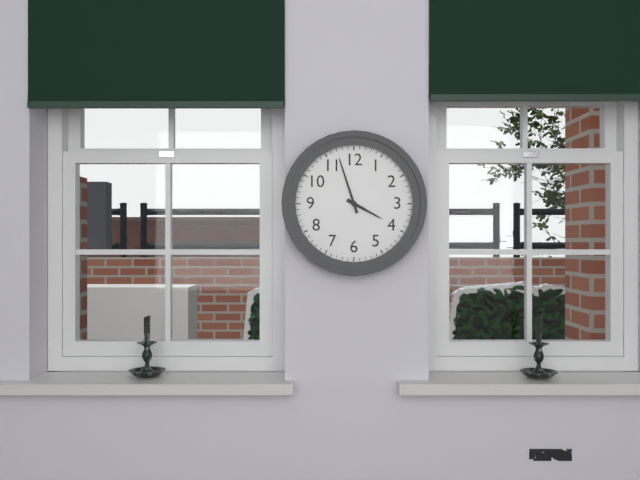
{"hour": 3, "minute": 57}
